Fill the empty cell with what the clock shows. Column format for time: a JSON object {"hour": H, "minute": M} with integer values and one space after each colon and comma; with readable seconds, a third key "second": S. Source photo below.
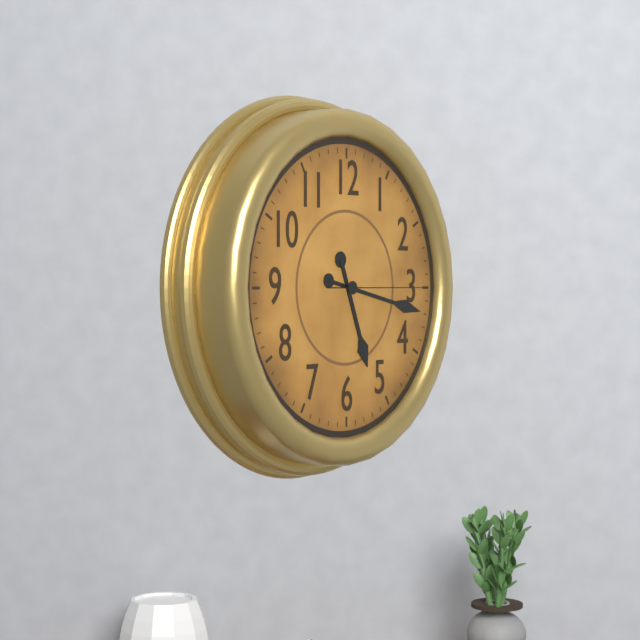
{"hour": 5, "minute": 17, "second": 15}
